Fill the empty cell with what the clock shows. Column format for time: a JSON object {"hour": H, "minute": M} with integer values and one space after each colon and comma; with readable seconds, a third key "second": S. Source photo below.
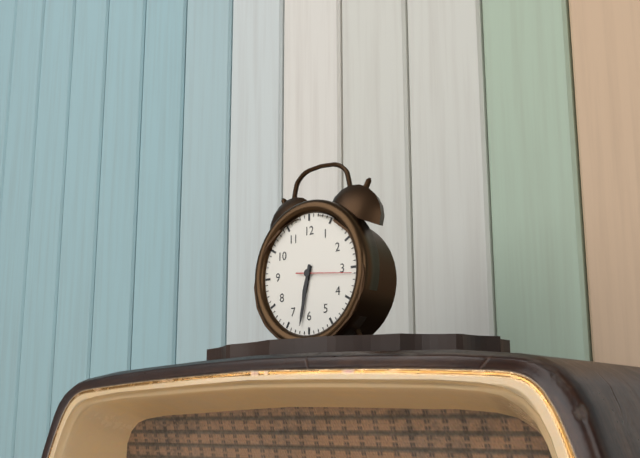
{"hour": 6, "minute": 32, "second": 16}
